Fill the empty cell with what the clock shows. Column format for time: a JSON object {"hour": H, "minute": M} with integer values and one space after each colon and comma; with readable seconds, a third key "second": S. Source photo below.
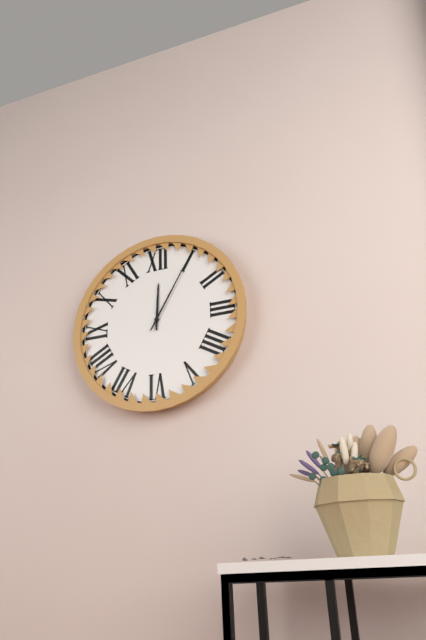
{"hour": 12, "minute": 5}
